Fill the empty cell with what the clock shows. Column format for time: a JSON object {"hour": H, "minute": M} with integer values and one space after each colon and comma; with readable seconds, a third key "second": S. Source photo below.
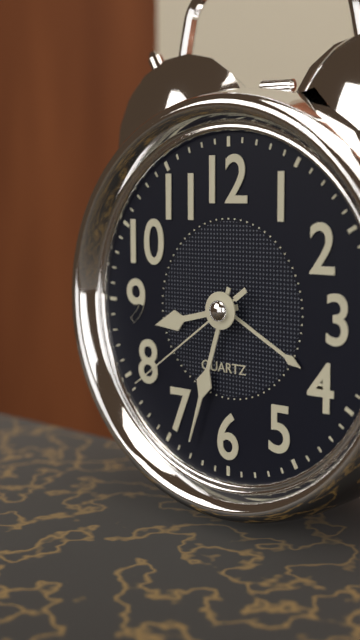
{"hour": 8, "minute": 33, "second": 39}
